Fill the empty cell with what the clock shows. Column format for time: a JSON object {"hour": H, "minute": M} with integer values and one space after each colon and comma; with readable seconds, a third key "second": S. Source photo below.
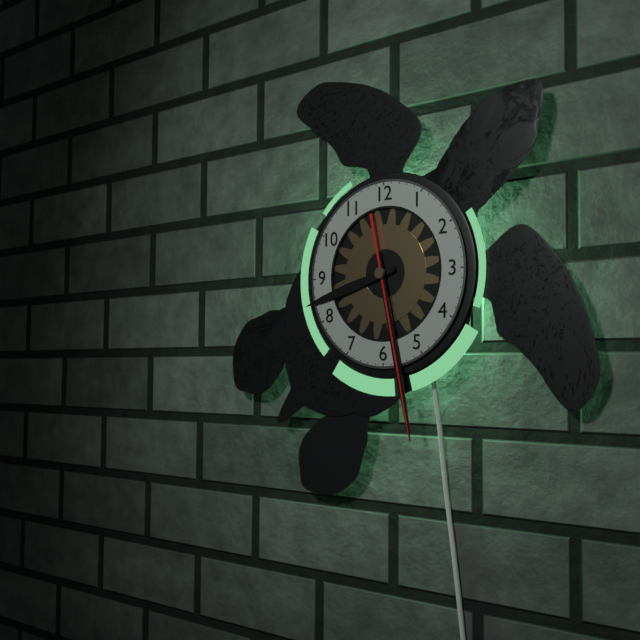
{"hour": 8, "minute": 28, "second": 28}
